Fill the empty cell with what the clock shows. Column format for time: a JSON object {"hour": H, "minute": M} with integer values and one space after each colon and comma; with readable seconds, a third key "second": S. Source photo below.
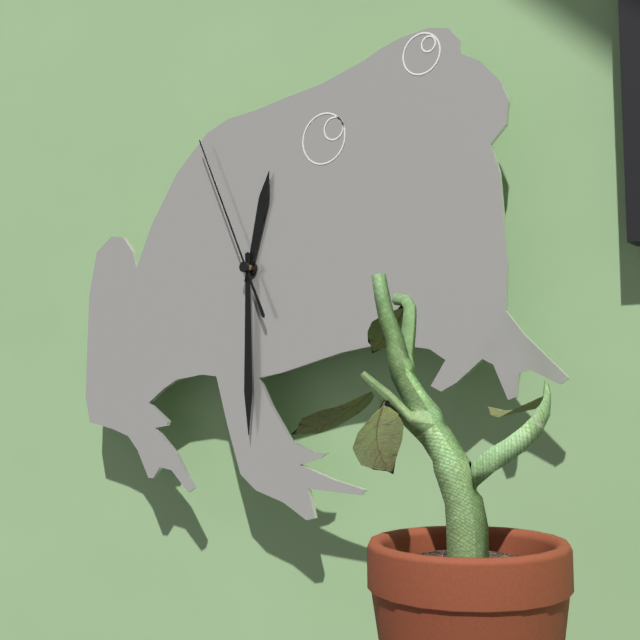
{"hour": 12, "minute": 30, "second": 56}
